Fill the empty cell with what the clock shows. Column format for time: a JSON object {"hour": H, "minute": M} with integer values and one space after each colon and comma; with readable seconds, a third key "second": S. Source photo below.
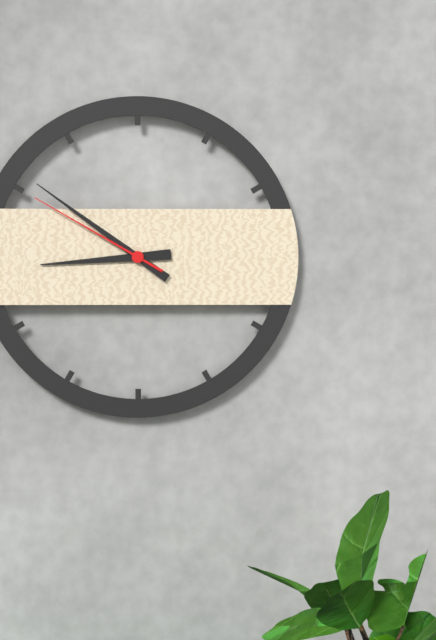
{"hour": 8, "minute": 51, "second": 50}
